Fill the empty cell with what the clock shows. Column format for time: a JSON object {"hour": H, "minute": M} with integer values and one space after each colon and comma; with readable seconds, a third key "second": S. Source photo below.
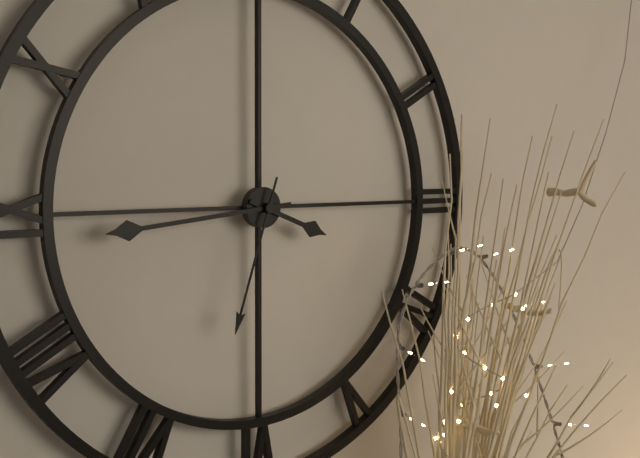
{"hour": 3, "minute": 44, "second": 33}
